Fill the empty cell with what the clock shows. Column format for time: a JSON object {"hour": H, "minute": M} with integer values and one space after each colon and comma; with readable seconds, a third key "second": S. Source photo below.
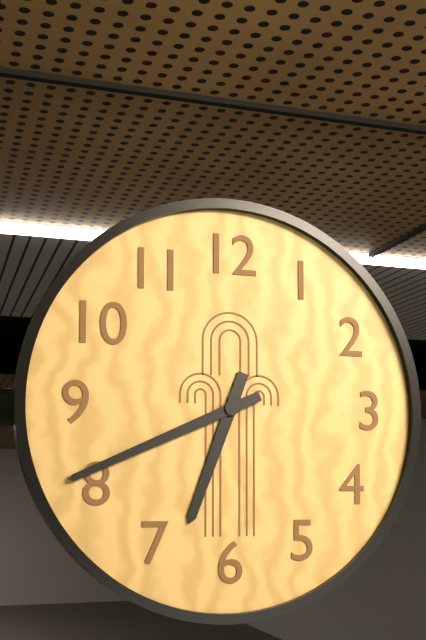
{"hour": 6, "minute": 41}
